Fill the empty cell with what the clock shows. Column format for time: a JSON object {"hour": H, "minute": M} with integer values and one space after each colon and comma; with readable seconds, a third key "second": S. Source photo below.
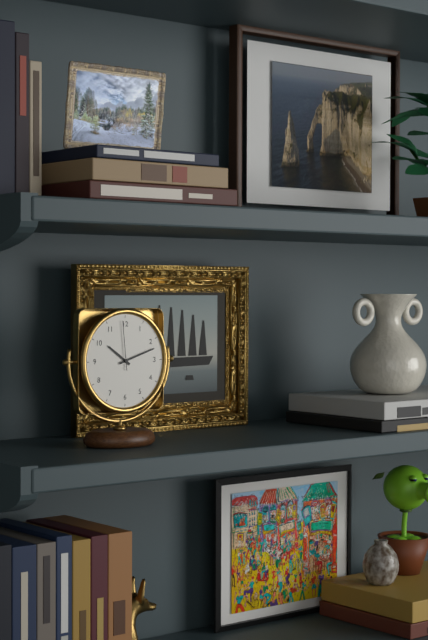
{"hour": 10, "minute": 12, "second": 59}
